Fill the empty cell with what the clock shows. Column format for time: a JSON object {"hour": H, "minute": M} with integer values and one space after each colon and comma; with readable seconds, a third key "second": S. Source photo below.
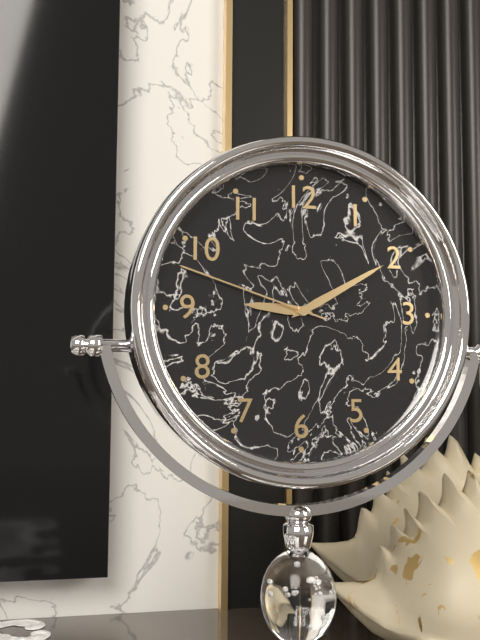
{"hour": 9, "minute": 10, "second": 48}
